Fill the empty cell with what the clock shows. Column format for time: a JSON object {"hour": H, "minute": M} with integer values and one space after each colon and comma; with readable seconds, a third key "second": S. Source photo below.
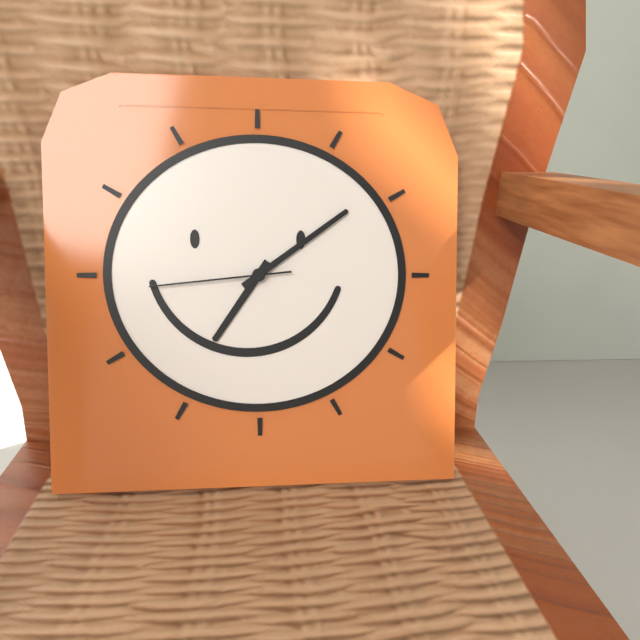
{"hour": 7, "minute": 9, "second": 44}
